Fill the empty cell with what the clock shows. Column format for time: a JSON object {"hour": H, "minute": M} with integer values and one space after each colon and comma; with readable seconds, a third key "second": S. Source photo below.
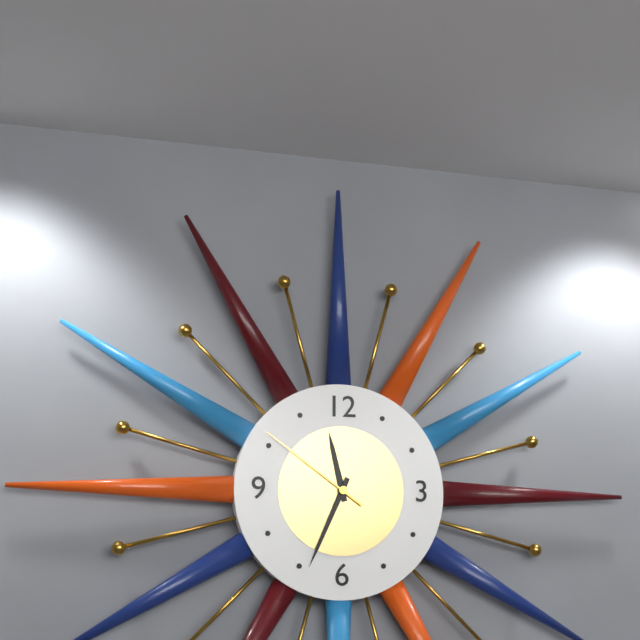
{"hour": 11, "minute": 34, "second": 51}
